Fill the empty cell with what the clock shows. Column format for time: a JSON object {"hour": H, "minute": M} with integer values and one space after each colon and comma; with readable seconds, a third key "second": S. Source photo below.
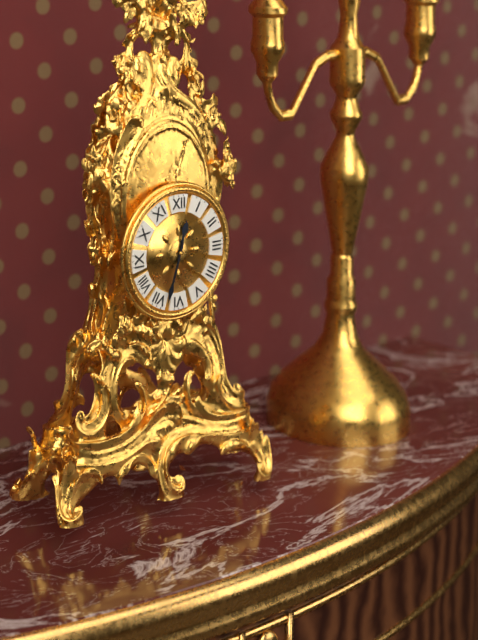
{"hour": 12, "minute": 33}
